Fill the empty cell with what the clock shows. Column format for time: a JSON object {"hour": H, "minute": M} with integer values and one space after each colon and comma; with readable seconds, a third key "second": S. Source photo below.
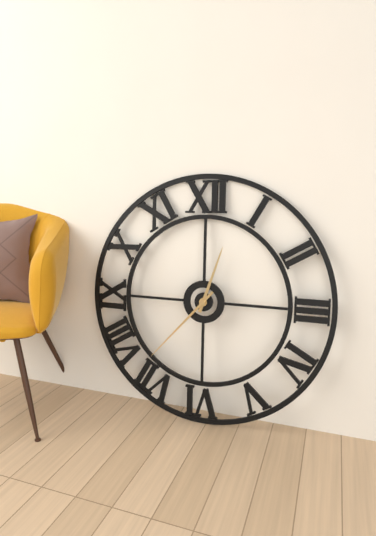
{"hour": 12, "minute": 37}
